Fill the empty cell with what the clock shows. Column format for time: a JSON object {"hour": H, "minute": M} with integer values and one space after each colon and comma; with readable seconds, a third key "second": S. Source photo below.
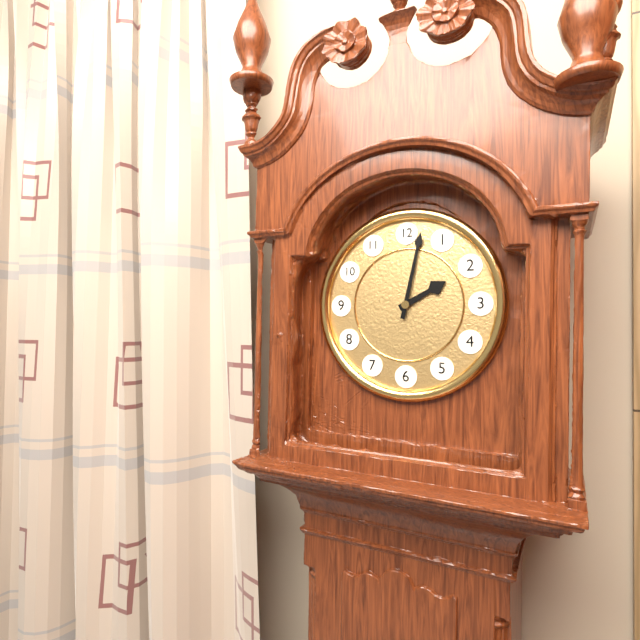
{"hour": 2, "minute": 2}
